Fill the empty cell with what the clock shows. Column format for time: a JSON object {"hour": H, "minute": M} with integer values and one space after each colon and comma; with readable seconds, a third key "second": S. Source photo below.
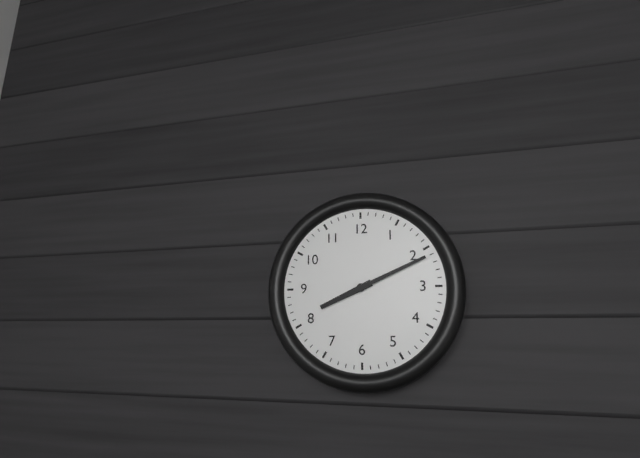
{"hour": 8, "minute": 11}
